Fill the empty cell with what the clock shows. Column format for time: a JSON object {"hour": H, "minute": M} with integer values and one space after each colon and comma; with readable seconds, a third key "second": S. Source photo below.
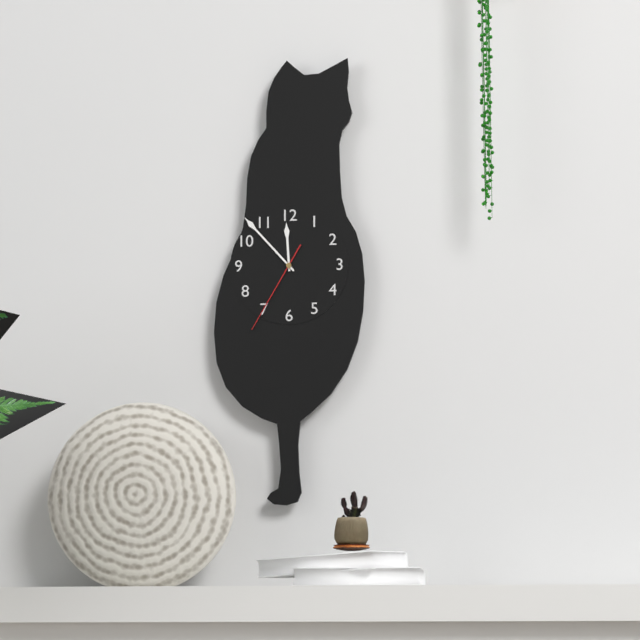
{"hour": 11, "minute": 53, "second": 35}
